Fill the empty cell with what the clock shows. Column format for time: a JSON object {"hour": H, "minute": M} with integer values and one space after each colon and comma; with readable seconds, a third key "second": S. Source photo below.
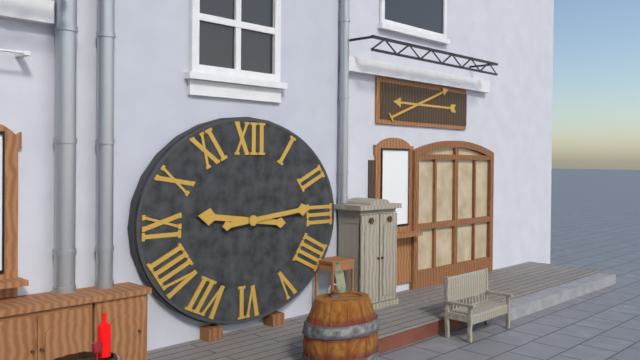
{"hour": 9, "minute": 14}
